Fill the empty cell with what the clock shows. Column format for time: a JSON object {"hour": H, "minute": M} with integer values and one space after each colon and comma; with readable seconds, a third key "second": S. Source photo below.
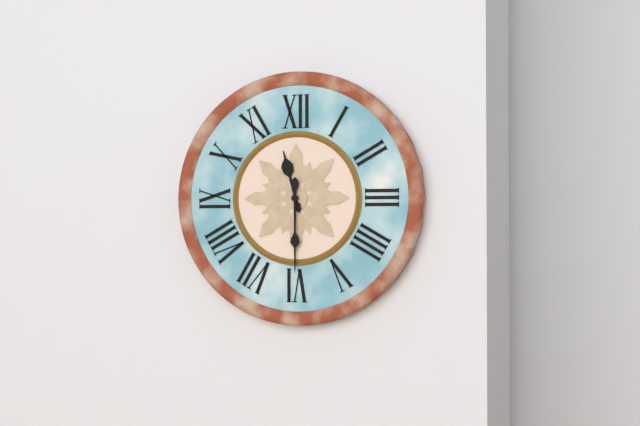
{"hour": 11, "minute": 30}
